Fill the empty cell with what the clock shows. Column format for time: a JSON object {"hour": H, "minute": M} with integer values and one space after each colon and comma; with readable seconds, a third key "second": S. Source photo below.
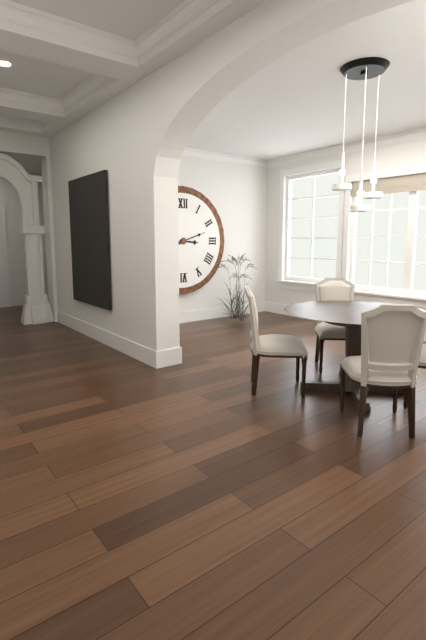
{"hour": 3, "minute": 12}
